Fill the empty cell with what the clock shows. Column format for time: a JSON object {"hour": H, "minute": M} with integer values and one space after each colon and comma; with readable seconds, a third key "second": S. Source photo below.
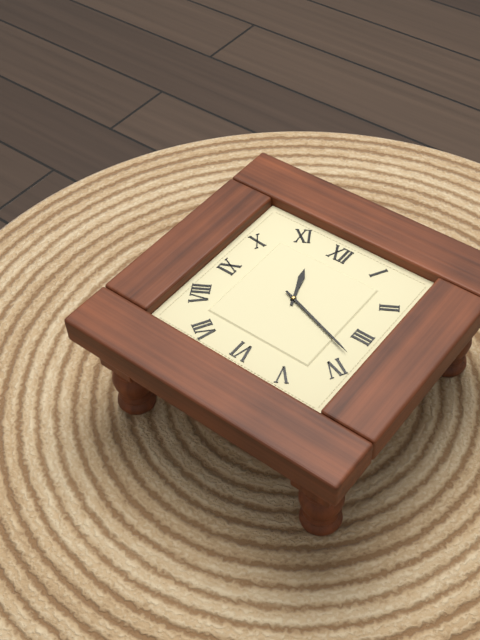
{"hour": 11, "minute": 18}
